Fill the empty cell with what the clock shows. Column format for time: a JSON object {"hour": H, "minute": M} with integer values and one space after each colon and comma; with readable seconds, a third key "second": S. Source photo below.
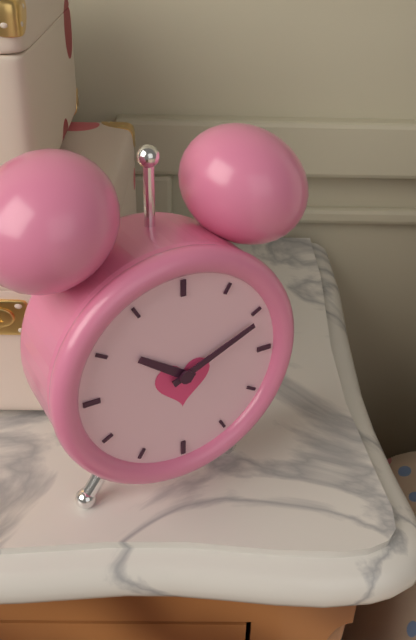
{"hour": 10, "minute": 11}
